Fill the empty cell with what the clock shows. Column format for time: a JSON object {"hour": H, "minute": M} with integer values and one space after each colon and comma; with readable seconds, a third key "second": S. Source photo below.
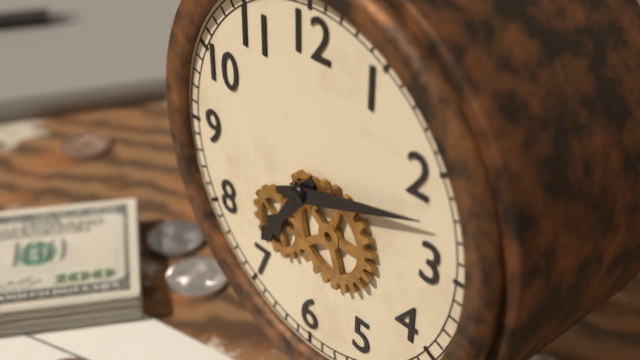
{"hour": 7, "minute": 12}
